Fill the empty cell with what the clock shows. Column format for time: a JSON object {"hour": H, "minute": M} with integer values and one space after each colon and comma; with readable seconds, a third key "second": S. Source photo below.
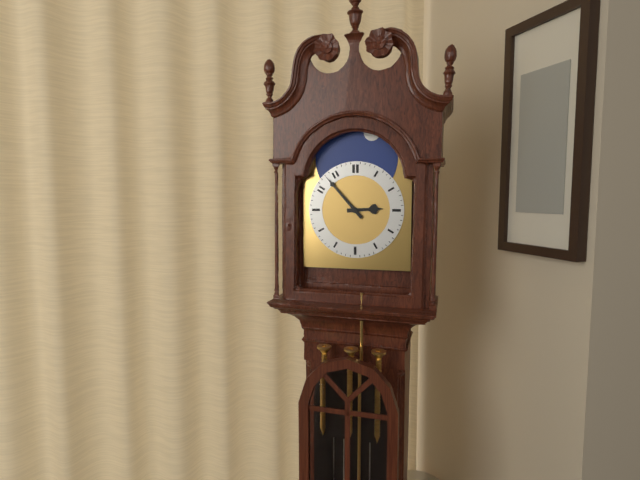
{"hour": 2, "minute": 53}
